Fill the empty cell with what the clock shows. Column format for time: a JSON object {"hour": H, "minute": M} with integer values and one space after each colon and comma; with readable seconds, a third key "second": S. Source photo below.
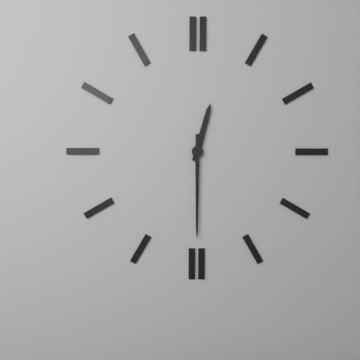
{"hour": 12, "minute": 30}
